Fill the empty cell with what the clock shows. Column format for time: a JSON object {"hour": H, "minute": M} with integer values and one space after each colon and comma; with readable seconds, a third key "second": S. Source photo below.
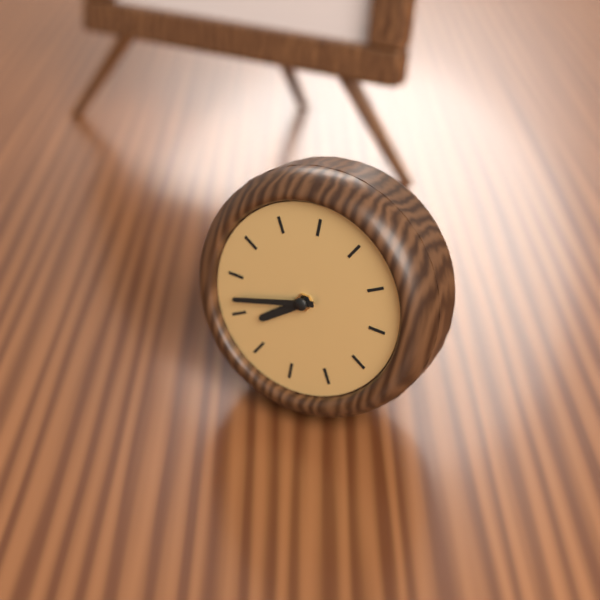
{"hour": 7, "minute": 42}
